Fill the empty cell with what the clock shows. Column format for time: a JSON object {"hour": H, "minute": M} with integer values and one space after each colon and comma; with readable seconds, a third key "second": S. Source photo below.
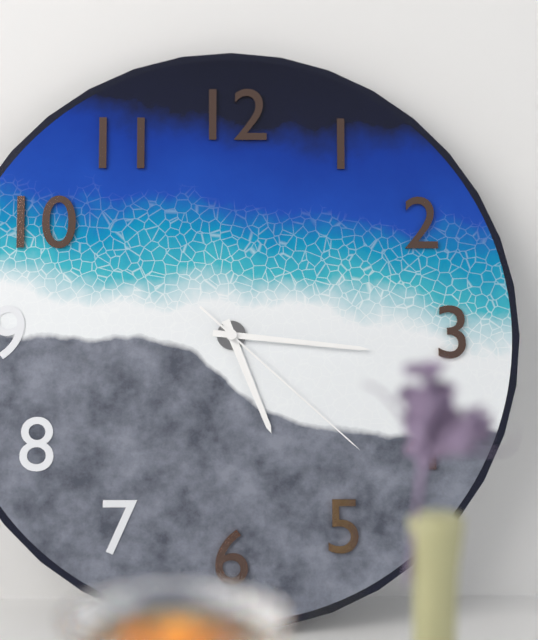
{"hour": 5, "minute": 16, "second": 22}
